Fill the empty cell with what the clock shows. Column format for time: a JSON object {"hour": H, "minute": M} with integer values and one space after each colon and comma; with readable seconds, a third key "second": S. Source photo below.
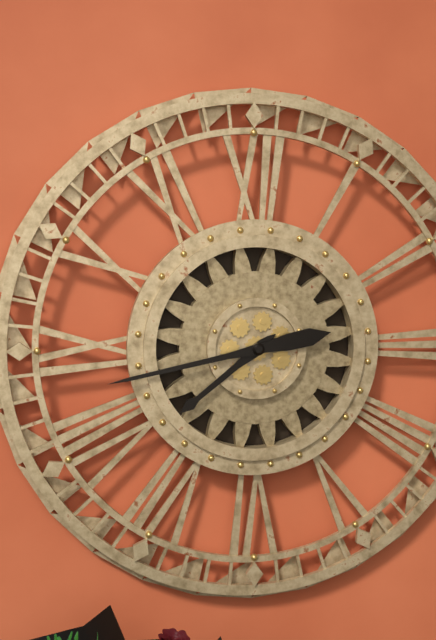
{"hour": 7, "minute": 43}
